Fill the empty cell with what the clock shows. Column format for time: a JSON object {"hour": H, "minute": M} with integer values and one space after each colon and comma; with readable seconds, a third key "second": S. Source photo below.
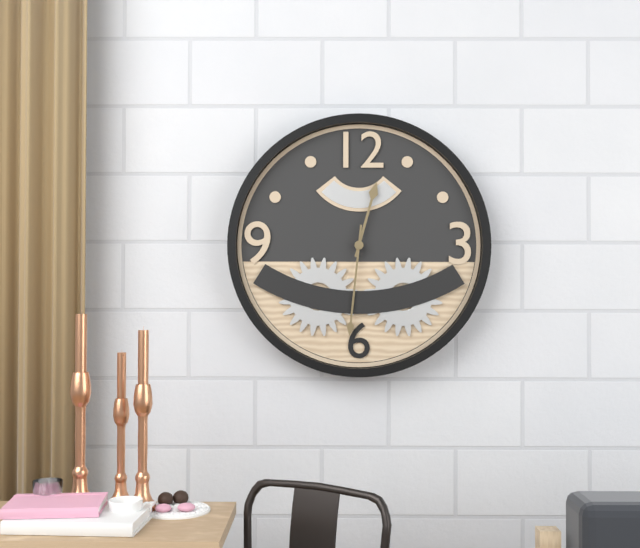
{"hour": 12, "minute": 31}
